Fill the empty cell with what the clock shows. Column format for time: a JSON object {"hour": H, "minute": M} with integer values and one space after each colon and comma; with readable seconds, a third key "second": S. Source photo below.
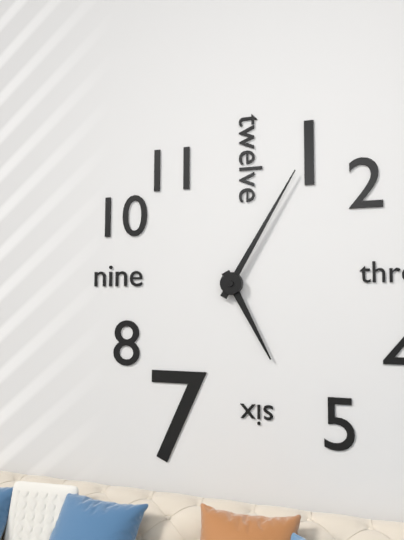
{"hour": 5, "minute": 5}
